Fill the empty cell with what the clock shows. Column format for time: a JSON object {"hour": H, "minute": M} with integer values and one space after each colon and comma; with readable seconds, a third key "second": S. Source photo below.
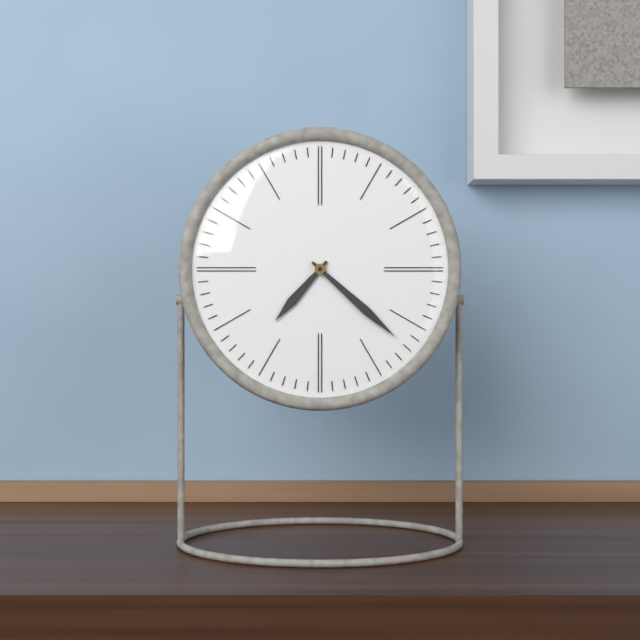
{"hour": 7, "minute": 22}
